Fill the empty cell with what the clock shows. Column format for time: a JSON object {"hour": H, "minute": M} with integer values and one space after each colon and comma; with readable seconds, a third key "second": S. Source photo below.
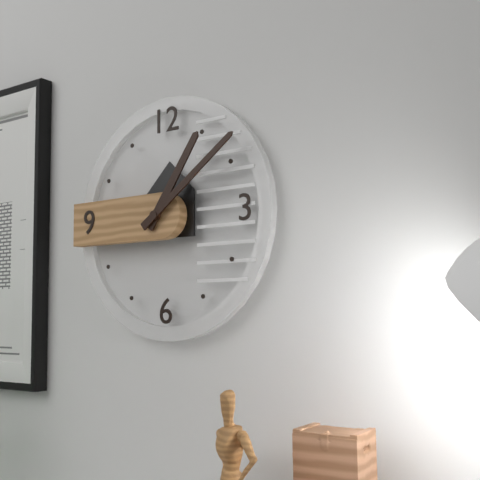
{"hour": 1, "minute": 9}
